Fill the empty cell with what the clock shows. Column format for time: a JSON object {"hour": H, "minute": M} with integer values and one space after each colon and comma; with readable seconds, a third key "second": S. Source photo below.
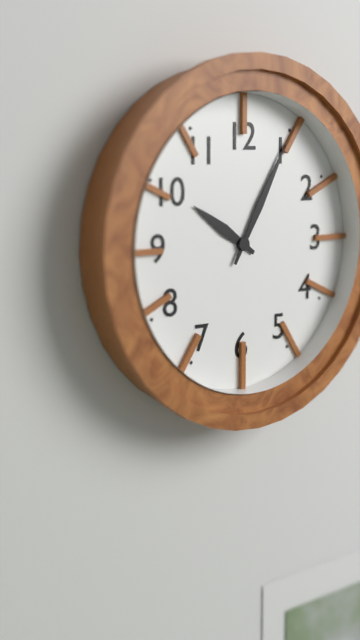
{"hour": 10, "minute": 5}
